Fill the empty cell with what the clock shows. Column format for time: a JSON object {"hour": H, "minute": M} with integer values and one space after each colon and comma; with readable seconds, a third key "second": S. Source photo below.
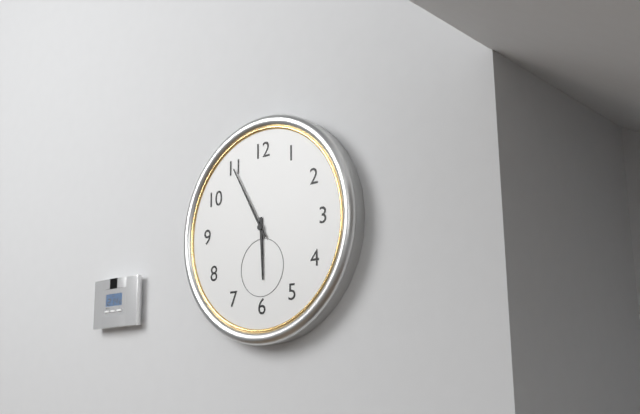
{"hour": 5, "minute": 55}
